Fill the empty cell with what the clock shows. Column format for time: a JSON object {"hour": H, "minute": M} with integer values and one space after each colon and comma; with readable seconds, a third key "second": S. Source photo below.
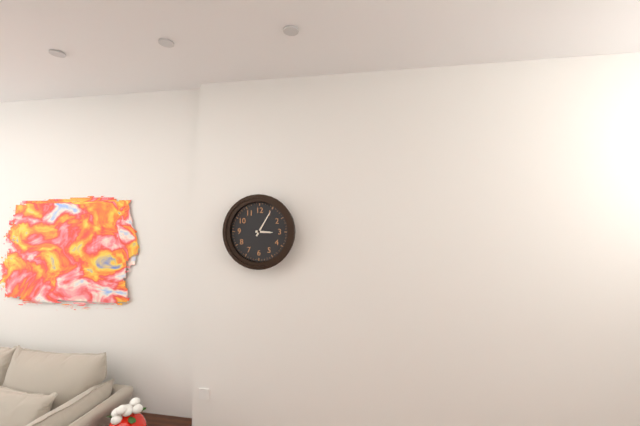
{"hour": 3, "minute": 5}
